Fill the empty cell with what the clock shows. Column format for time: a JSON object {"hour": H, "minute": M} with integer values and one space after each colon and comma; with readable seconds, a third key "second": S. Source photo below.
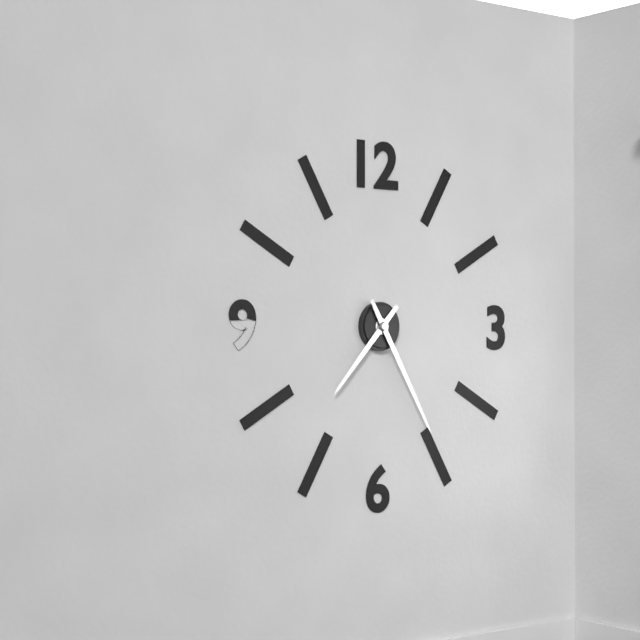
{"hour": 7, "minute": 25}
